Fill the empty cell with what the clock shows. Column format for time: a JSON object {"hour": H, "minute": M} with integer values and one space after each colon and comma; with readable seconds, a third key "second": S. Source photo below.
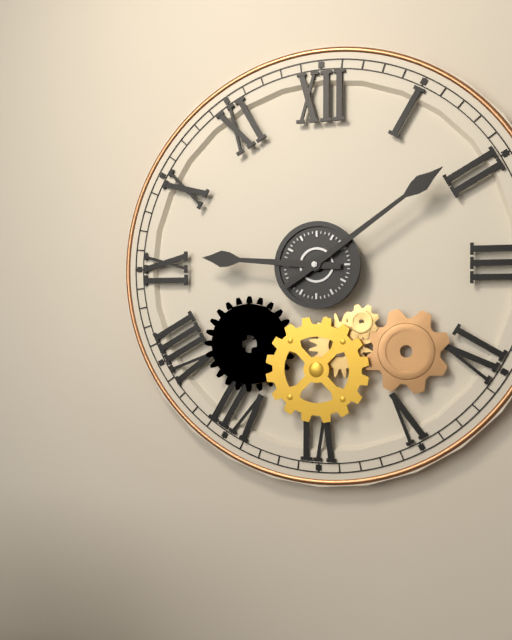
{"hour": 9, "minute": 9}
